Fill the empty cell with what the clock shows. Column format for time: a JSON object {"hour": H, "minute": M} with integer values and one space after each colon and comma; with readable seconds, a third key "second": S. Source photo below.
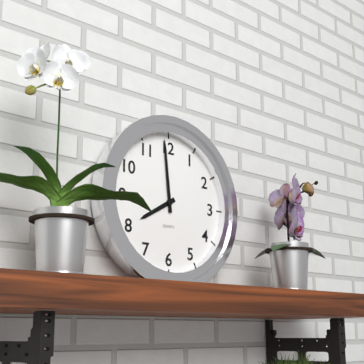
{"hour": 7, "minute": 59}
